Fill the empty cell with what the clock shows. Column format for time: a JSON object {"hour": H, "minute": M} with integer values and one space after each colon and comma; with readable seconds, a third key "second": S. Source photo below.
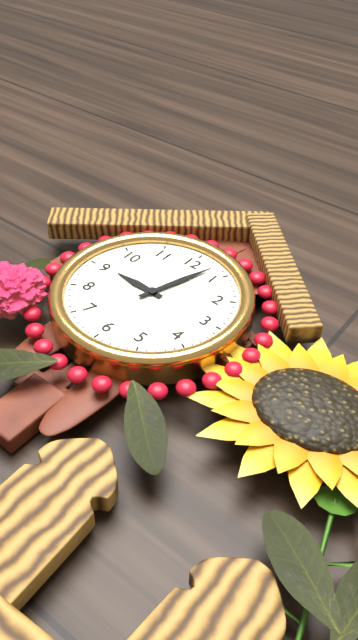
{"hour": 9, "minute": 3}
